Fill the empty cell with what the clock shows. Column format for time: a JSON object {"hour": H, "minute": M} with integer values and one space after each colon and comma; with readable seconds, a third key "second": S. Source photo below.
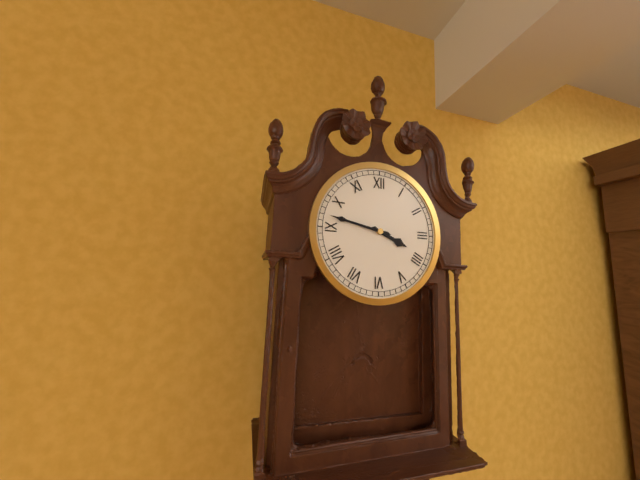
{"hour": 3, "minute": 47}
